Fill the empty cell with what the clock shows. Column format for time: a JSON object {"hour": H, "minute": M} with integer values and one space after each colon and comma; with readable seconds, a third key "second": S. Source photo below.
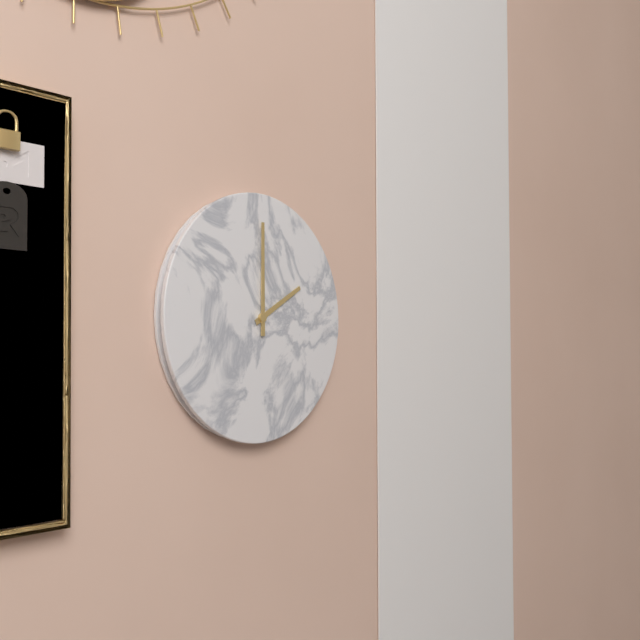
{"hour": 2, "minute": 0}
